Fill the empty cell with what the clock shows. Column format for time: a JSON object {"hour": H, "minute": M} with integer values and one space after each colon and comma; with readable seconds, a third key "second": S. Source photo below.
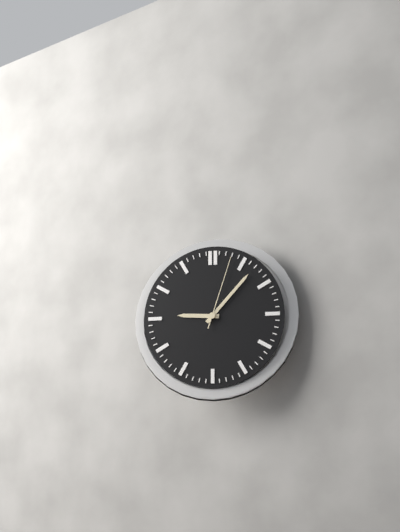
{"hour": 9, "minute": 7, "second": 3}
